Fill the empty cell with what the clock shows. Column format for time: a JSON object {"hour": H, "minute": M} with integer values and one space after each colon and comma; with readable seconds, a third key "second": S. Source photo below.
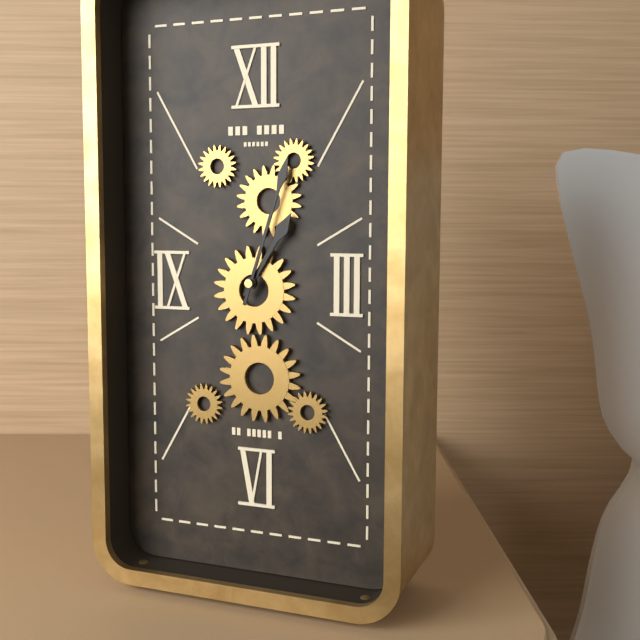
{"hour": 1, "minute": 3}
